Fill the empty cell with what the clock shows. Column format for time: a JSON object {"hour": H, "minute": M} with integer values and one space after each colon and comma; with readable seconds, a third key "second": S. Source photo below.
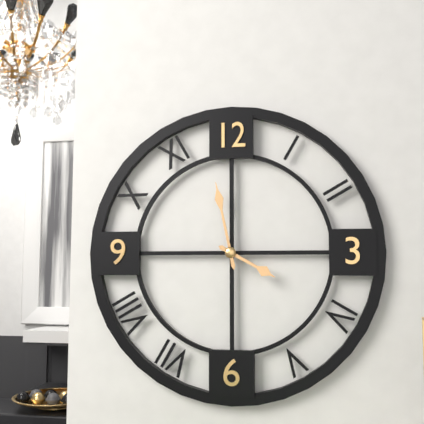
{"hour": 3, "minute": 58}
